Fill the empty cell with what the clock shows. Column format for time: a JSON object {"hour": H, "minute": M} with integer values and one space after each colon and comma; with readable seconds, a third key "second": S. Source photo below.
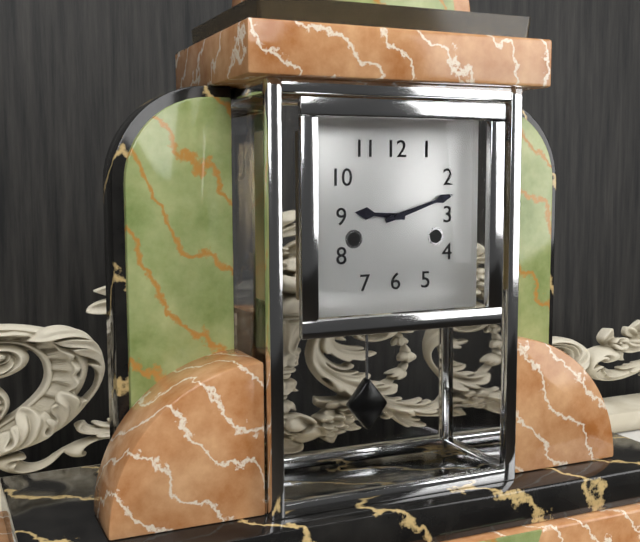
{"hour": 9, "minute": 12}
